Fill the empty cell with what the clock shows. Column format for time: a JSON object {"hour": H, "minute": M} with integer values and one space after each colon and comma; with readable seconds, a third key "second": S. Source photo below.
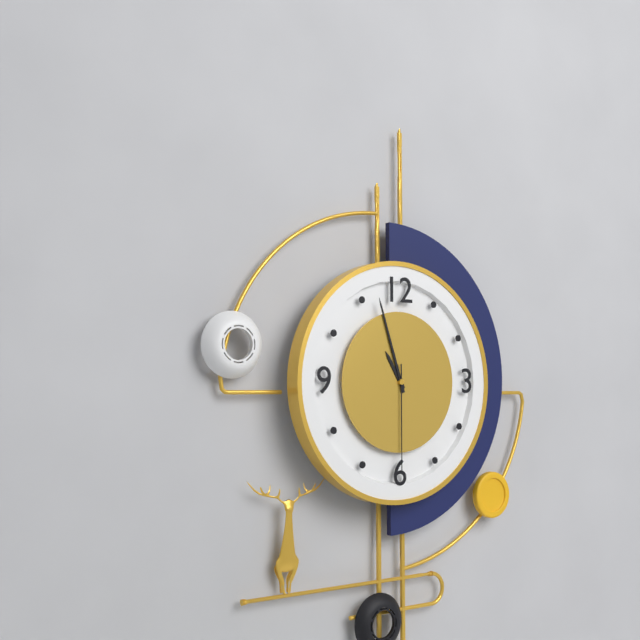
{"hour": 10, "minute": 57, "second": 30}
